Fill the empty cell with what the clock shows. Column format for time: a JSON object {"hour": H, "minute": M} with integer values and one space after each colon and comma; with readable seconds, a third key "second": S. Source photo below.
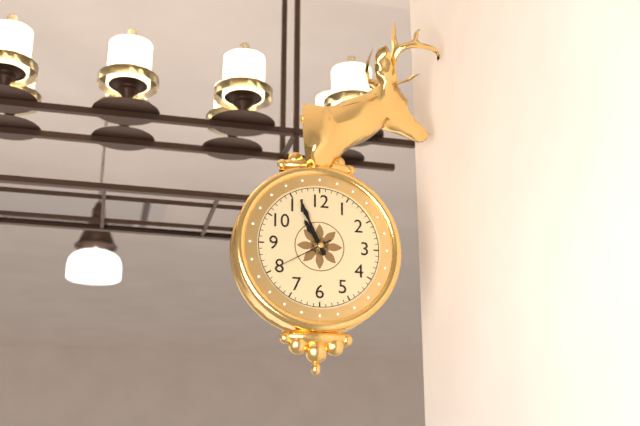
{"hour": 10, "minute": 56, "second": 40}
